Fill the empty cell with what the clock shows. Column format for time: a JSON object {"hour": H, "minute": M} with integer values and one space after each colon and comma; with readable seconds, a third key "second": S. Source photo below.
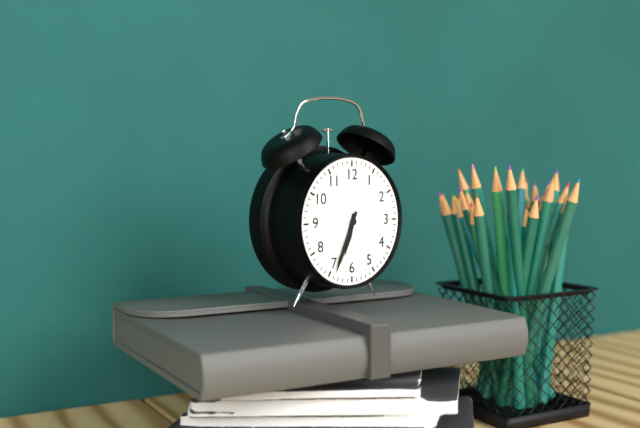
{"hour": 6, "minute": 34}
